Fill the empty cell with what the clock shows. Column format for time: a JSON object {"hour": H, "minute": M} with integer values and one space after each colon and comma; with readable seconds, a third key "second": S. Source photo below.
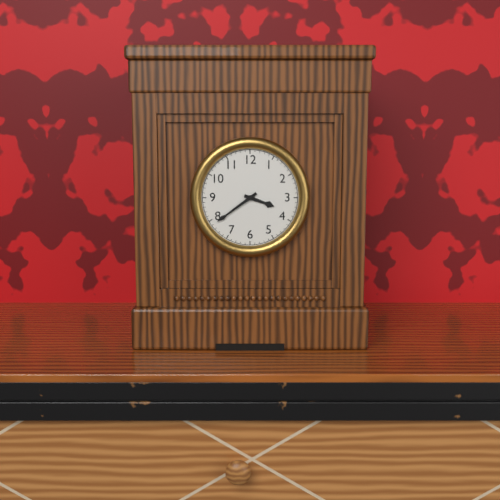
{"hour": 3, "minute": 39}
